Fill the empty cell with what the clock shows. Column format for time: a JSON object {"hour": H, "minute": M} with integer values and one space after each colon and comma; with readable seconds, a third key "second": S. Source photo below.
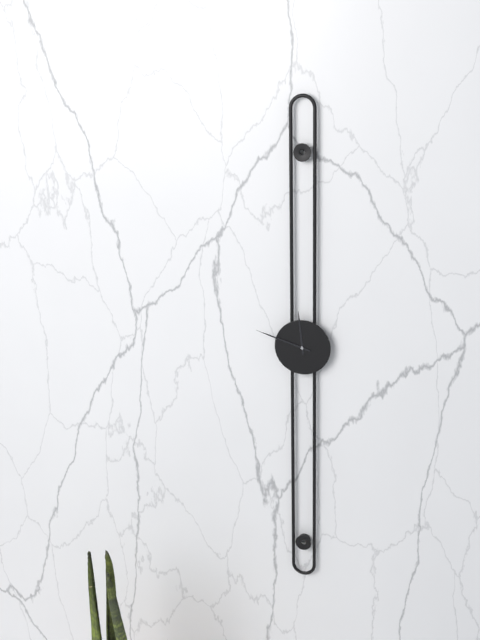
{"hour": 11, "minute": 48}
